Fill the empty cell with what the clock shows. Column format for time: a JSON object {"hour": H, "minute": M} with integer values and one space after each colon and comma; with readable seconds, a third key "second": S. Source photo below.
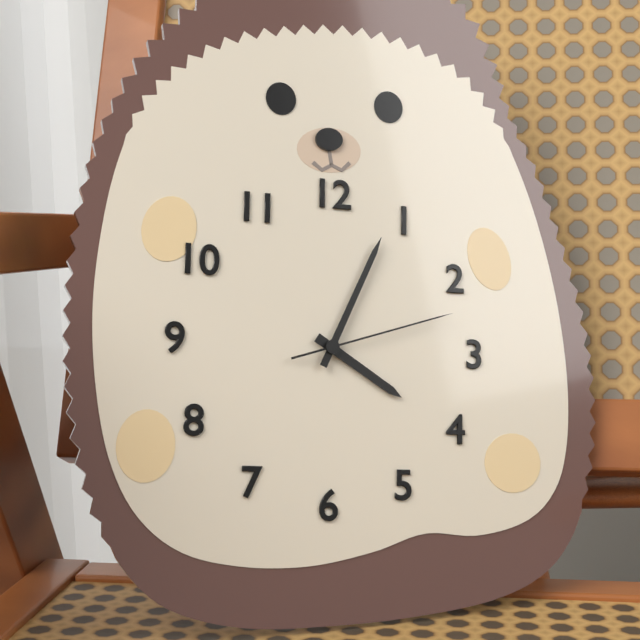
{"hour": 4, "minute": 4, "second": 12}
